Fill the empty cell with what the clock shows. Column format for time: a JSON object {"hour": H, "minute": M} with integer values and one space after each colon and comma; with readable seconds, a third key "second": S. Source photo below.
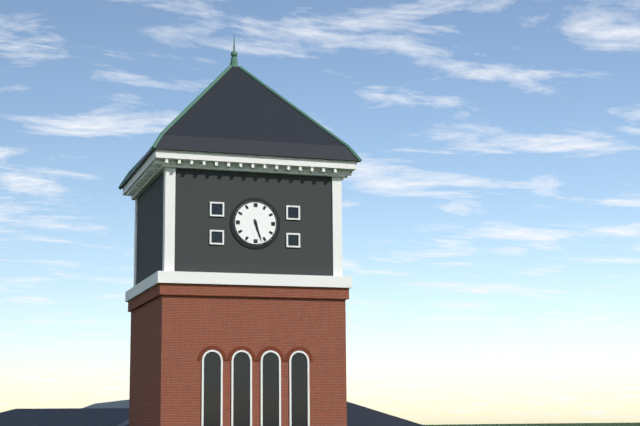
{"hour": 5, "minute": 27}
